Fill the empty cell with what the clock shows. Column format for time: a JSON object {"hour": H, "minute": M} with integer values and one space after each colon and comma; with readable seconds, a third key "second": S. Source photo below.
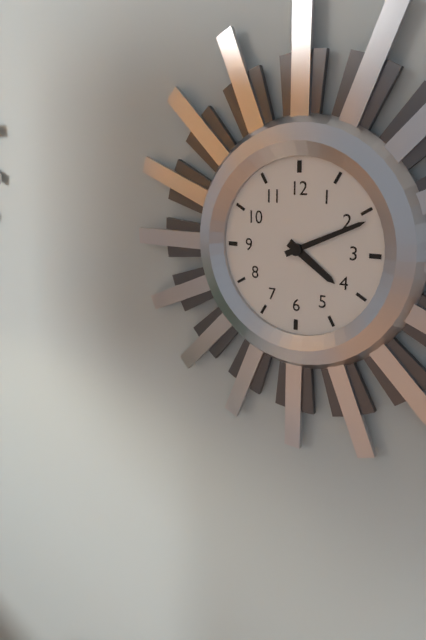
{"hour": 4, "minute": 11}
